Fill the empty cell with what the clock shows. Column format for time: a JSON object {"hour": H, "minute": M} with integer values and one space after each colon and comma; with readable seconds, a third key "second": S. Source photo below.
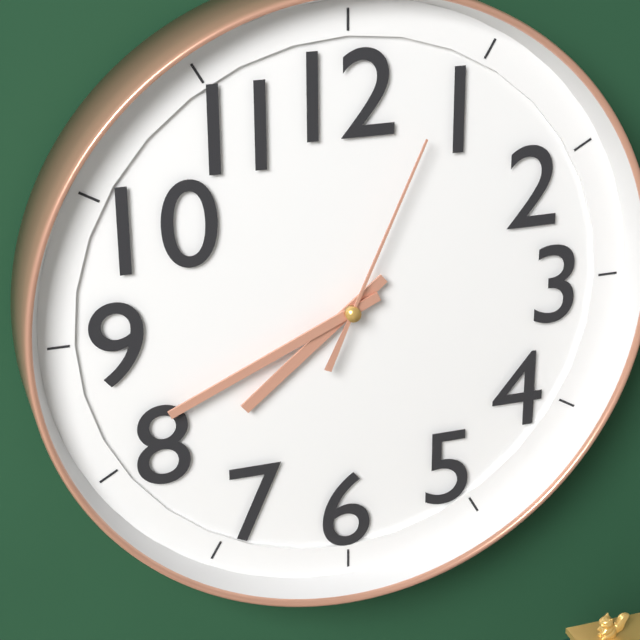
{"hour": 7, "minute": 41, "second": 4}
